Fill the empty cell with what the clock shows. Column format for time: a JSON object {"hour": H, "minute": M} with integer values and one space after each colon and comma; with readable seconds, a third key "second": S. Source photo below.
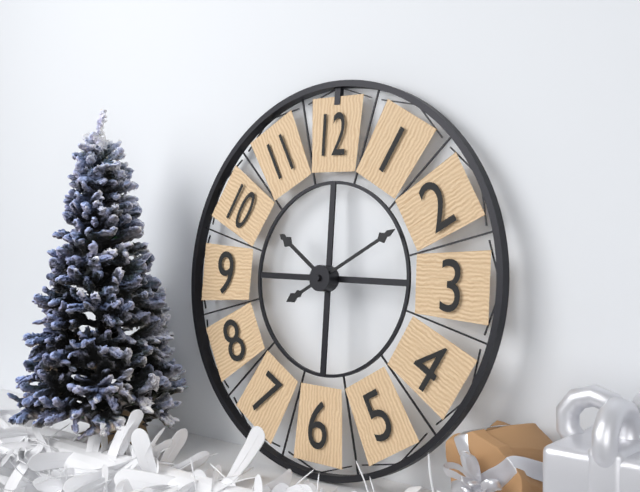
{"hour": 10, "minute": 10}
